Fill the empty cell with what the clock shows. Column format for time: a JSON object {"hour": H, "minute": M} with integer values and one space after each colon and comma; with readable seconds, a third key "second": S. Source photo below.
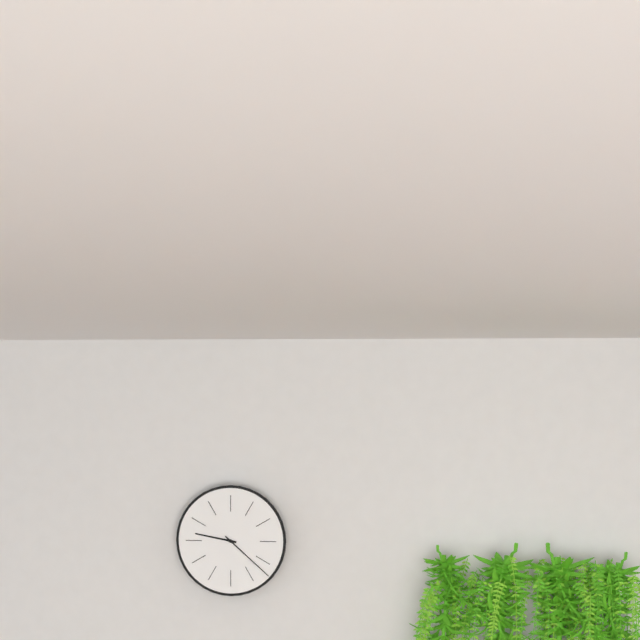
{"hour": 9, "minute": 22}
